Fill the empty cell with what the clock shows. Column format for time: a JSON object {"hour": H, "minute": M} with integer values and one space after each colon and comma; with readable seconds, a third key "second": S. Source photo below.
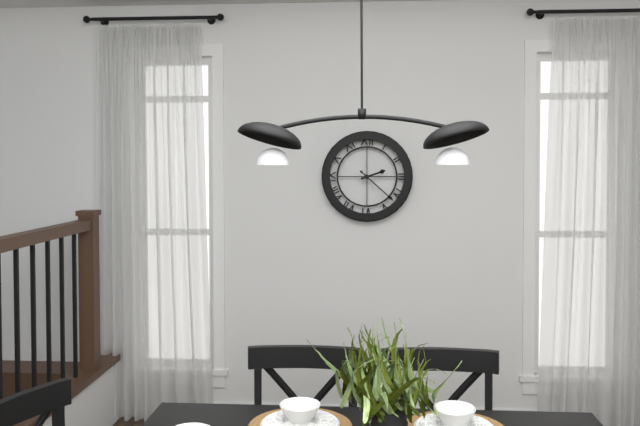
{"hour": 2, "minute": 22}
